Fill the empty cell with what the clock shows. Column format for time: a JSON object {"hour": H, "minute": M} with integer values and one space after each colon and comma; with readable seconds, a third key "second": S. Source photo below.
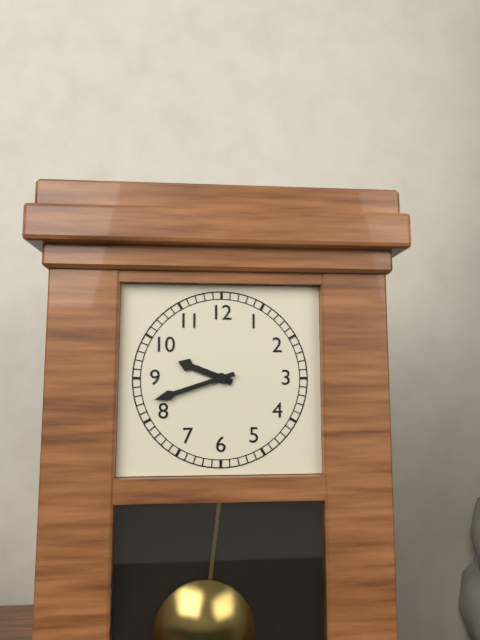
{"hour": 9, "minute": 42}
